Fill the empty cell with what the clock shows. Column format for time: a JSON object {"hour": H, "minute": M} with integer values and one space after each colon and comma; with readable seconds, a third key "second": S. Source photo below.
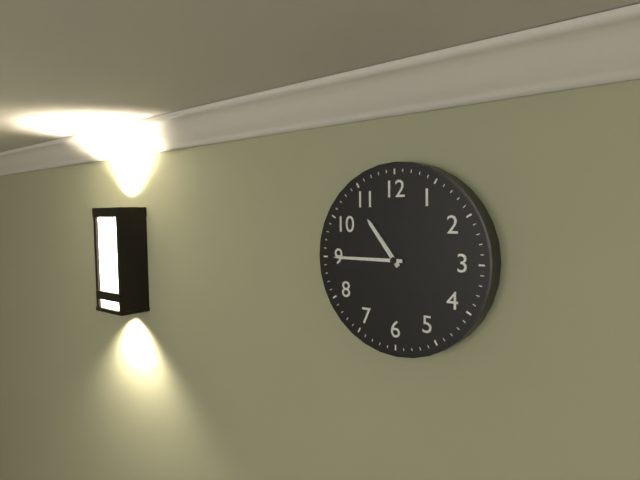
{"hour": 10, "minute": 45}
